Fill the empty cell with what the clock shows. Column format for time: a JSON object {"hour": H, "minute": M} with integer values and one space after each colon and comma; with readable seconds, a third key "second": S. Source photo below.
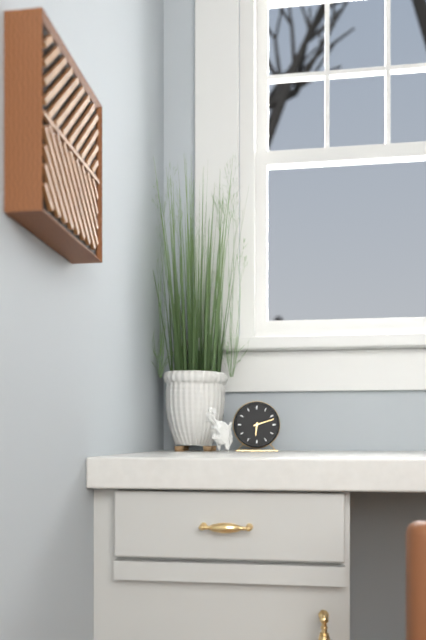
{"hour": 6, "minute": 12}
